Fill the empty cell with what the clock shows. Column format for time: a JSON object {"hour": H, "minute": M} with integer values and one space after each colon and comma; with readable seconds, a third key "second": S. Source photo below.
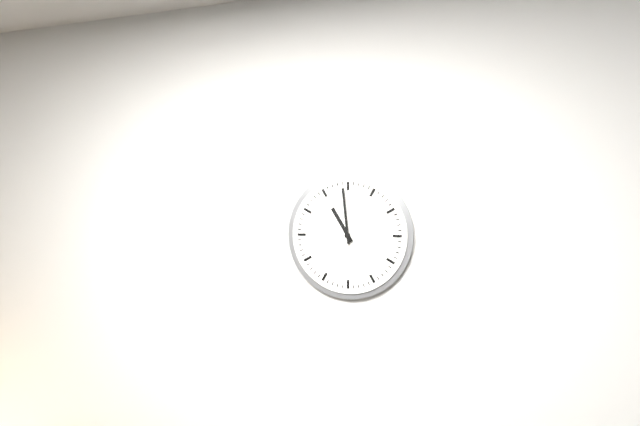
{"hour": 10, "minute": 59}
